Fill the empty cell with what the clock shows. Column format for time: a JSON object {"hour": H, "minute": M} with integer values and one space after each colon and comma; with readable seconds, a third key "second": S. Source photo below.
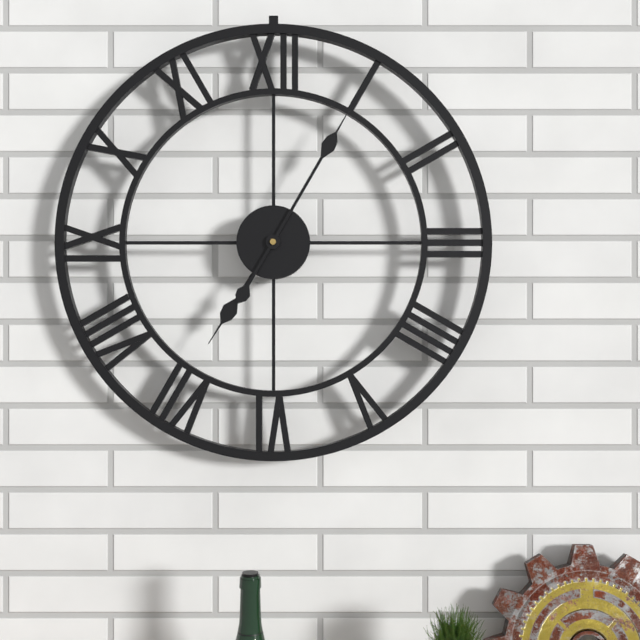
{"hour": 7, "minute": 5}
